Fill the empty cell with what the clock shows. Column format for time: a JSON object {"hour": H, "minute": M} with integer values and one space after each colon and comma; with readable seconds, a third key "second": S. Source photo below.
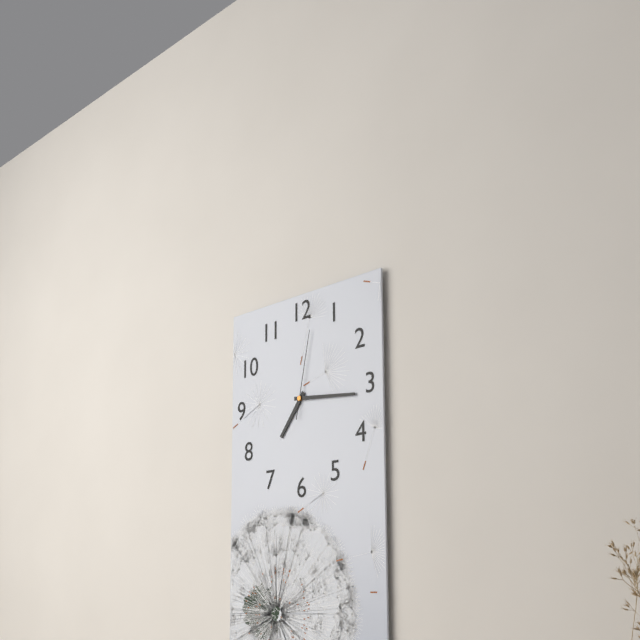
{"hour": 7, "minute": 16, "second": 2}
